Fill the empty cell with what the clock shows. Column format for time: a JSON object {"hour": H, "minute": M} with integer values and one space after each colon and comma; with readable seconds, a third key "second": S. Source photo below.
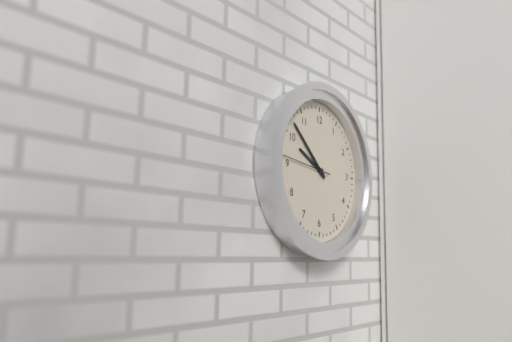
{"hour": 9, "minute": 52, "second": 46}
